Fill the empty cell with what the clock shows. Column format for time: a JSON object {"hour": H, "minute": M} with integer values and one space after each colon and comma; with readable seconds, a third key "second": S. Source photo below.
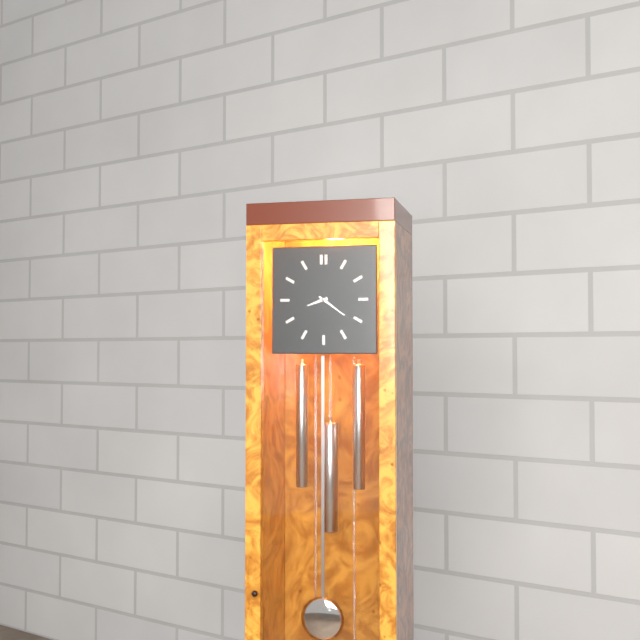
{"hour": 8, "minute": 21}
